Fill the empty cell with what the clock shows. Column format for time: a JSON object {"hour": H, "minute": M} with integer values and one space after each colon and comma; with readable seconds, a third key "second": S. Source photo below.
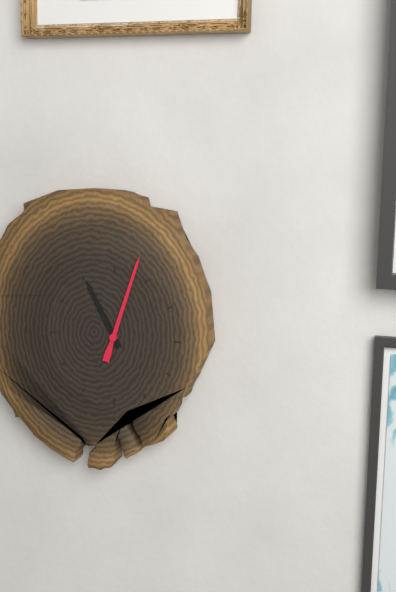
{"hour": 11, "minute": 3}
